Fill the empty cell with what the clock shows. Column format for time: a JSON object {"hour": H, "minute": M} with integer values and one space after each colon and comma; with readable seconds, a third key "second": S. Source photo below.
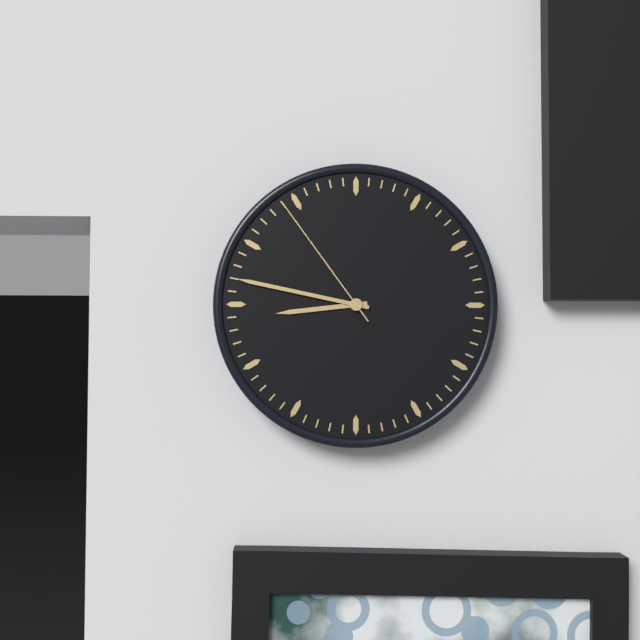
{"hour": 8, "minute": 47, "second": 54}
